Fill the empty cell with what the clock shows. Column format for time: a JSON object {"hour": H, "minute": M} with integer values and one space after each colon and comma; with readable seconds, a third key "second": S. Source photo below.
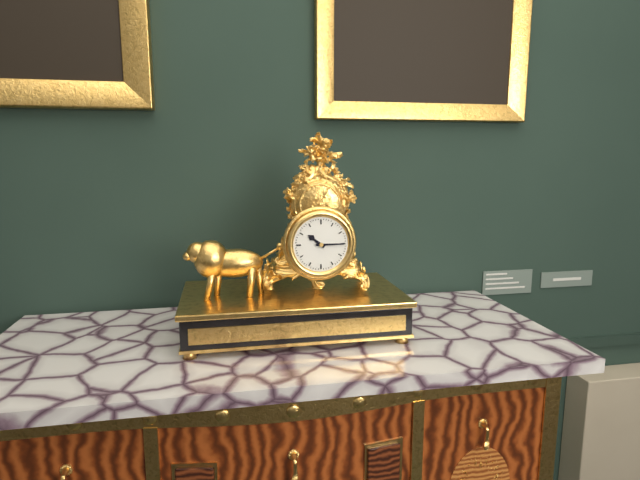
{"hour": 10, "minute": 15}
